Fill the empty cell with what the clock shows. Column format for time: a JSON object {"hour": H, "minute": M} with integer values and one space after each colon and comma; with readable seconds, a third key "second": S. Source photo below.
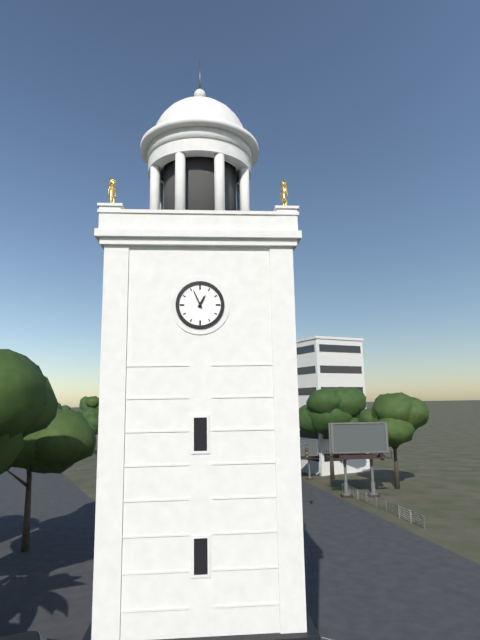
{"hour": 12, "minute": 56}
